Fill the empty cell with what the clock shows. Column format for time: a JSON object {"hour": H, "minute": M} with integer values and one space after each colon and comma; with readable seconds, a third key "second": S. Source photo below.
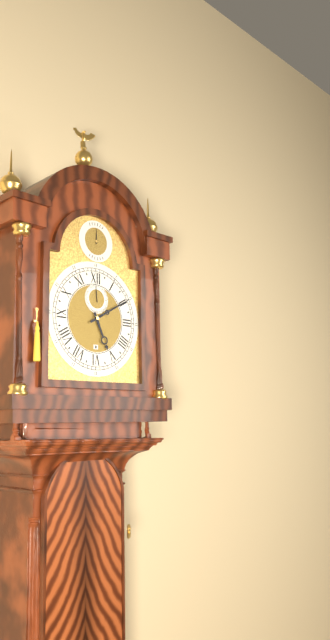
{"hour": 5, "minute": 10}
